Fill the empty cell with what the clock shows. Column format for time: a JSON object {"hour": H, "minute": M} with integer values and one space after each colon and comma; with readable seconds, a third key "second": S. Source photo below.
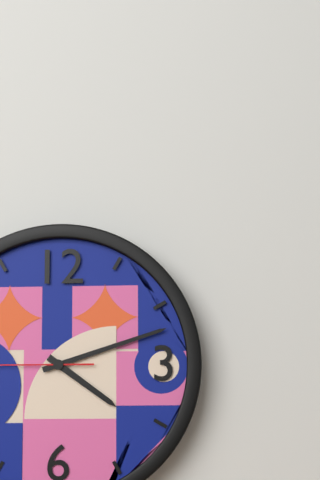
{"hour": 4, "minute": 12}
